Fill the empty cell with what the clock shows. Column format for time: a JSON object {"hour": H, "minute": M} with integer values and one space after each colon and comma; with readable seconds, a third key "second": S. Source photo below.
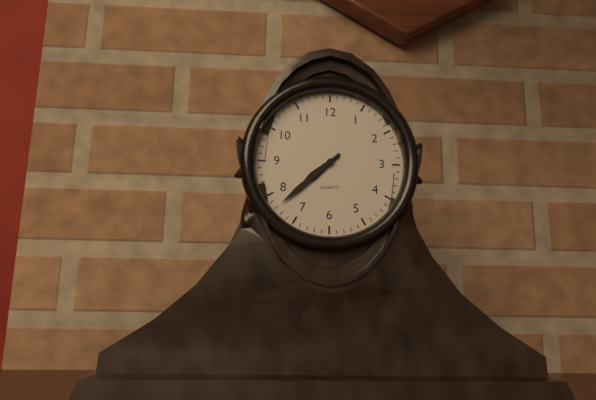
{"hour": 7, "minute": 38}
